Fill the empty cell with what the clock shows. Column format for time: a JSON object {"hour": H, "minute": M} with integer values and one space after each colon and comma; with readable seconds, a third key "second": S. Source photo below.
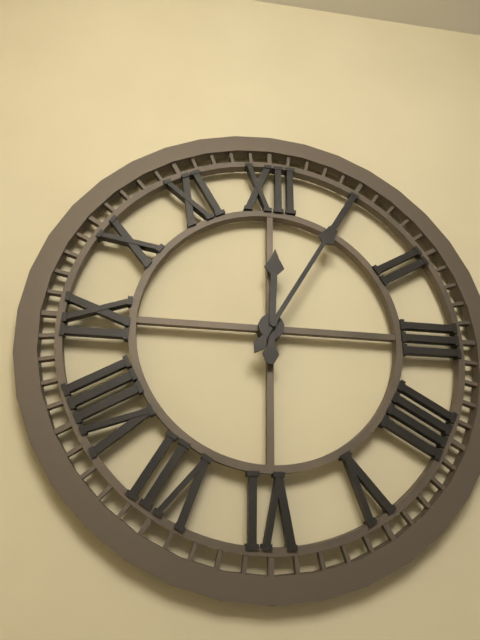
{"hour": 12, "minute": 5}
